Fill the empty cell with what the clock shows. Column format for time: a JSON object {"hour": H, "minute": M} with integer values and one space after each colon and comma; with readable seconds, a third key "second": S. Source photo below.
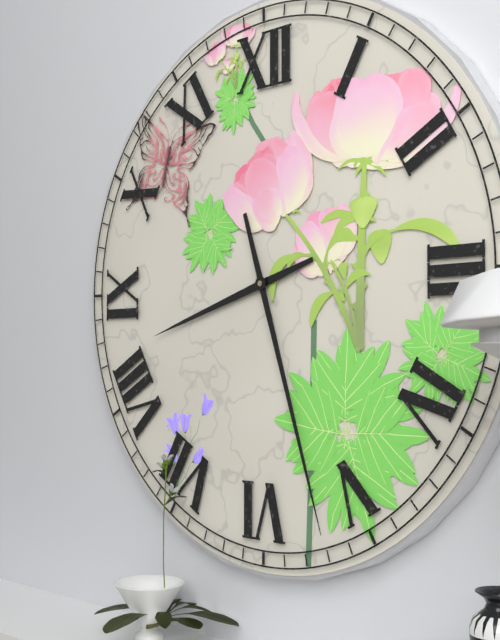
{"hour": 8, "minute": 27}
